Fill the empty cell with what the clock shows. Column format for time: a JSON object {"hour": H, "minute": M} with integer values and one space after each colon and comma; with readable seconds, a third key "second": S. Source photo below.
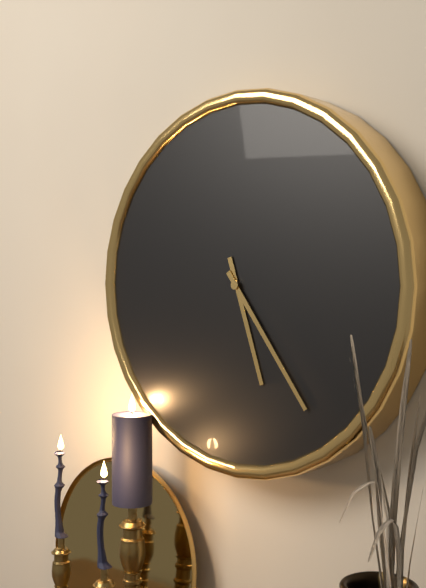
{"hour": 5, "minute": 24}
